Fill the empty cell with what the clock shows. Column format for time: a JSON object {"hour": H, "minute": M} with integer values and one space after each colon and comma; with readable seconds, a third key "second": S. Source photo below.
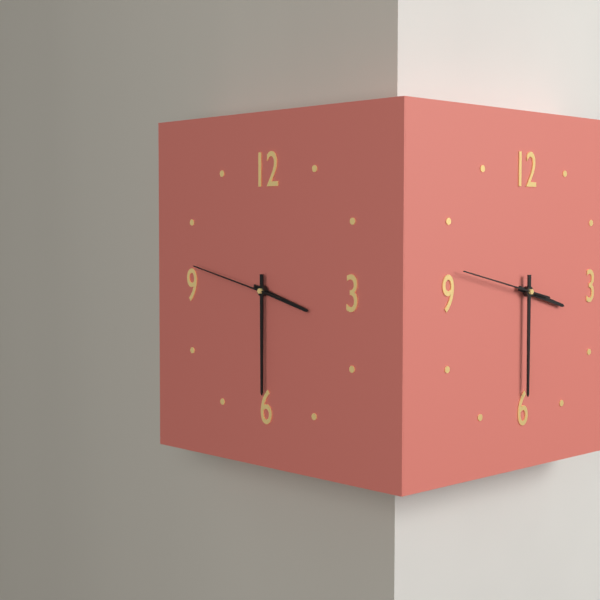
{"hour": 3, "minute": 30, "second": 47}
